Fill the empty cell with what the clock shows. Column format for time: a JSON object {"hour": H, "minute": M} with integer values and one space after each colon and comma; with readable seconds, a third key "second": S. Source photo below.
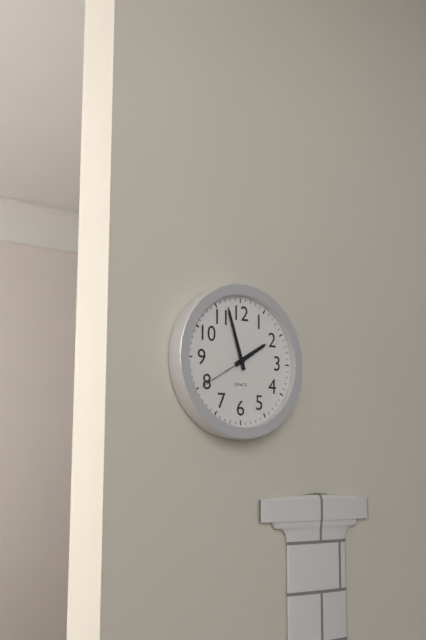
{"hour": 1, "minute": 57, "second": 40}
